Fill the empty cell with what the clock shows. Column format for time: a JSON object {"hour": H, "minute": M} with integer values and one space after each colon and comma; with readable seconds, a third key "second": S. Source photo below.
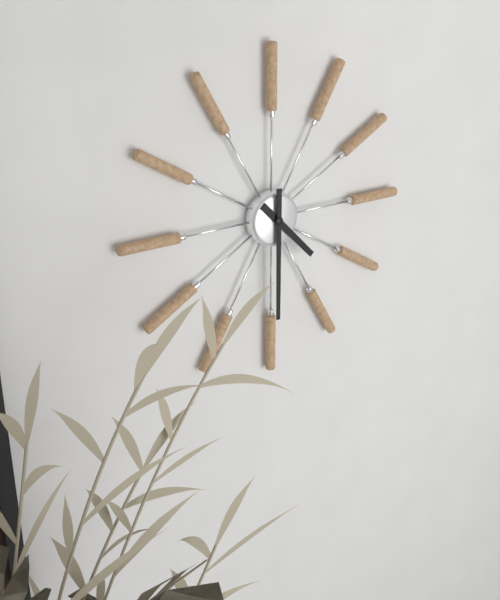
{"hour": 4, "minute": 30}
